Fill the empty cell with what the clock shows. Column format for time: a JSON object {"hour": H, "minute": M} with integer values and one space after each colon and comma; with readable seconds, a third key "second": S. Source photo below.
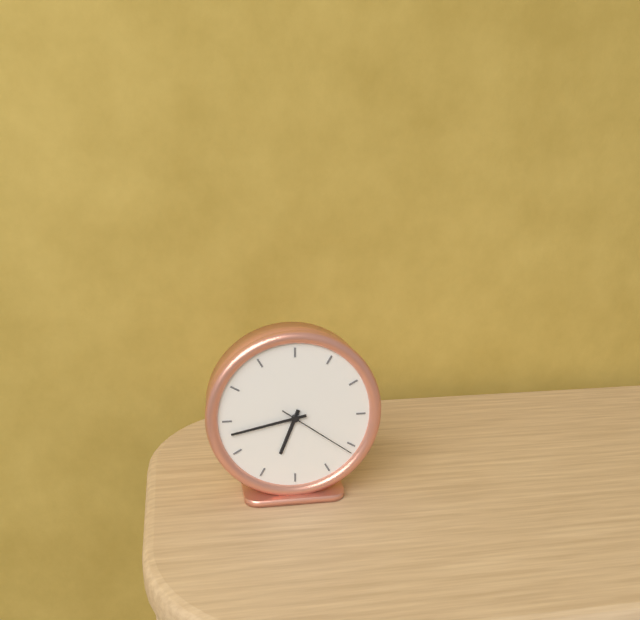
{"hour": 6, "minute": 43, "second": 21}
